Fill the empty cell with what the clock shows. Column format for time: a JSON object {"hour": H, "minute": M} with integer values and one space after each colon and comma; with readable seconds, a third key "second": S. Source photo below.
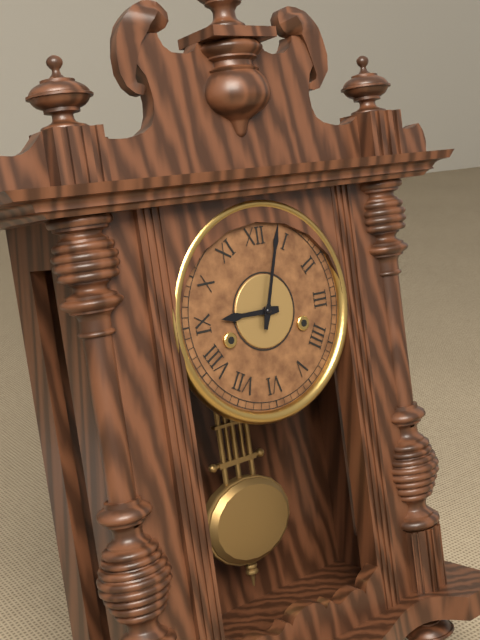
{"hour": 9, "minute": 3}
